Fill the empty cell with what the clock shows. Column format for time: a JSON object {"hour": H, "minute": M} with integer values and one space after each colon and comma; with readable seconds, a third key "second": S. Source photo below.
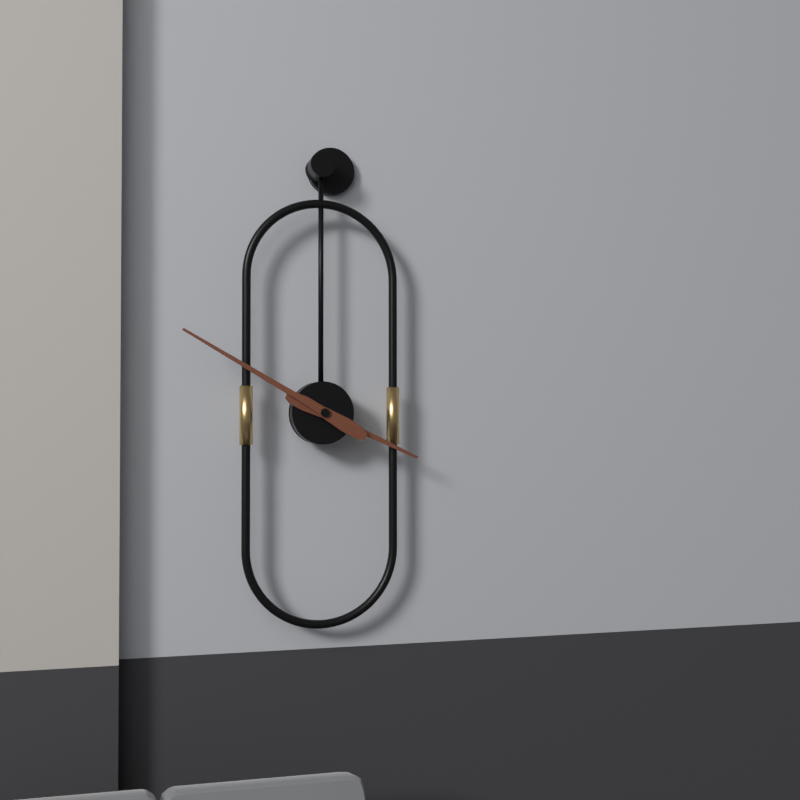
{"hour": 3, "minute": 50}
